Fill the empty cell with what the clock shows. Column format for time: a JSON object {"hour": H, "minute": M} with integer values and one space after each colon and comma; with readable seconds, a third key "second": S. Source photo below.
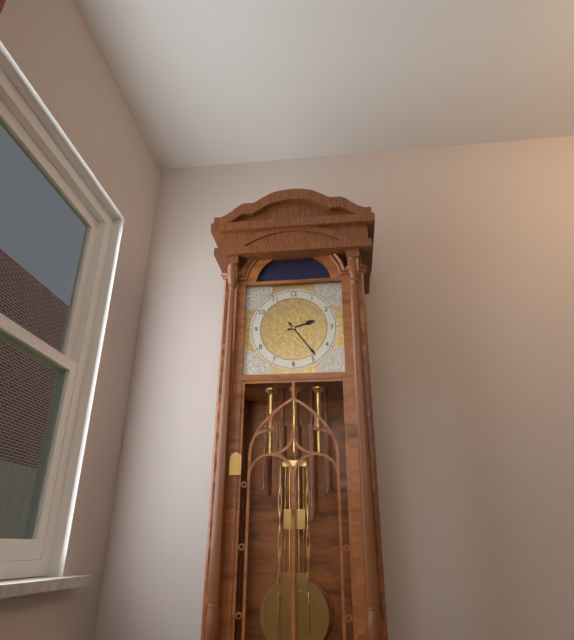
{"hour": 2, "minute": 24}
